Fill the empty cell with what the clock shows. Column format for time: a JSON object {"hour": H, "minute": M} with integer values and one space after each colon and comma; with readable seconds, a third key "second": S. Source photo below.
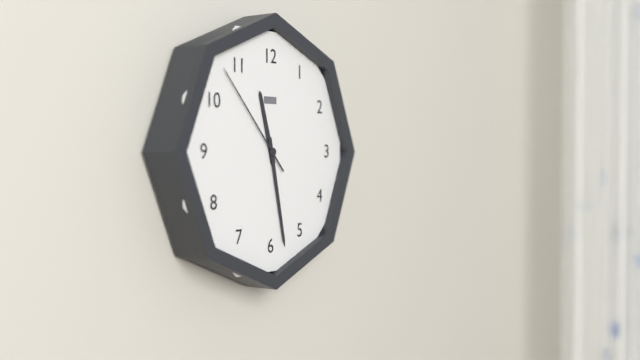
{"hour": 11, "minute": 28, "second": 53}
